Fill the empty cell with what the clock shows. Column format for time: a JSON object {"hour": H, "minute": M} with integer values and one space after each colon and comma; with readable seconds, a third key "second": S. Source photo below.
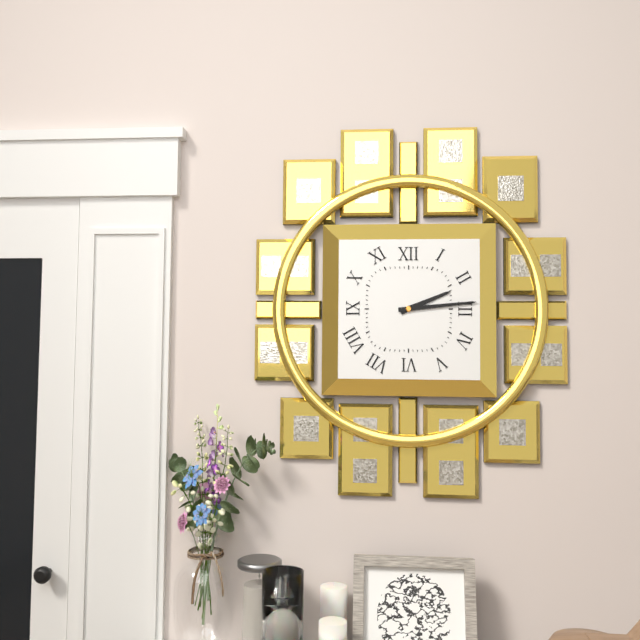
{"hour": 2, "minute": 14}
